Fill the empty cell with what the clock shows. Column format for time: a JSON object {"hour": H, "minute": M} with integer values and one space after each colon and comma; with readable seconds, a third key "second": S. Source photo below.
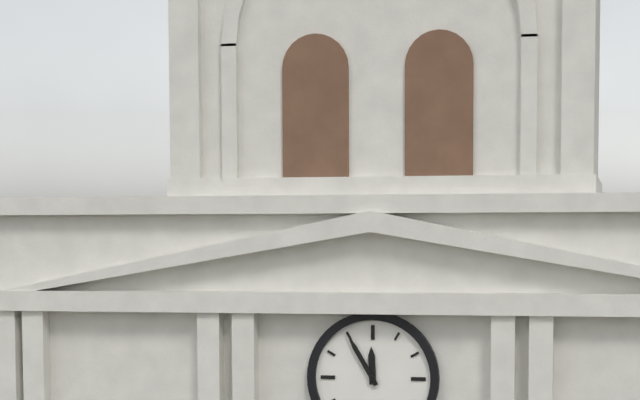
{"hour": 11, "minute": 55}
